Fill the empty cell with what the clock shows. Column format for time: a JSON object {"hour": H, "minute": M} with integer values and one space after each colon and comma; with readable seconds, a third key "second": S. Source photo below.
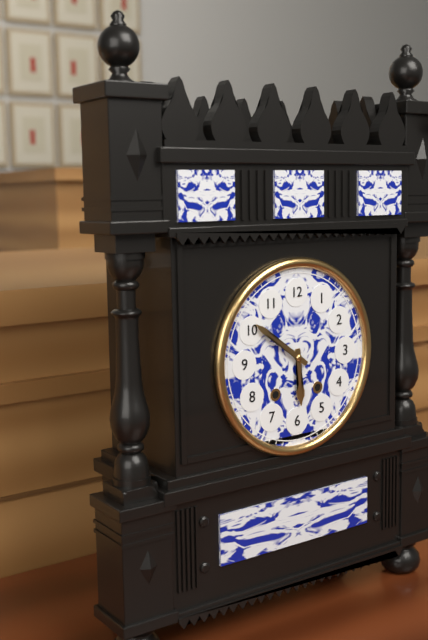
{"hour": 5, "minute": 51}
